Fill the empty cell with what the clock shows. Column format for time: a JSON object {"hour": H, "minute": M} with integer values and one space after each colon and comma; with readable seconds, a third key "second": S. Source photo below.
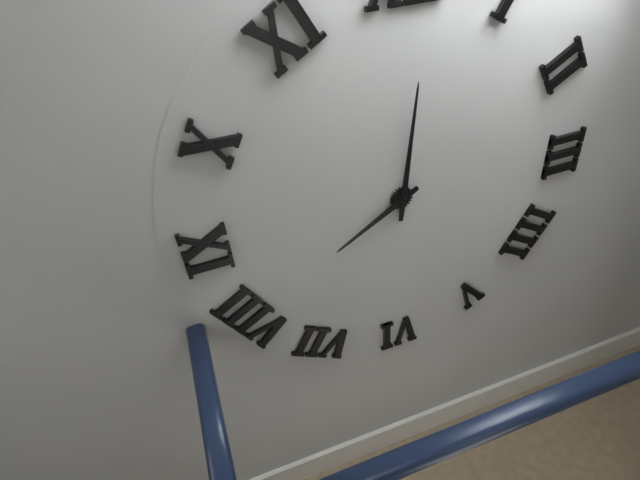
{"hour": 8, "minute": 1}
